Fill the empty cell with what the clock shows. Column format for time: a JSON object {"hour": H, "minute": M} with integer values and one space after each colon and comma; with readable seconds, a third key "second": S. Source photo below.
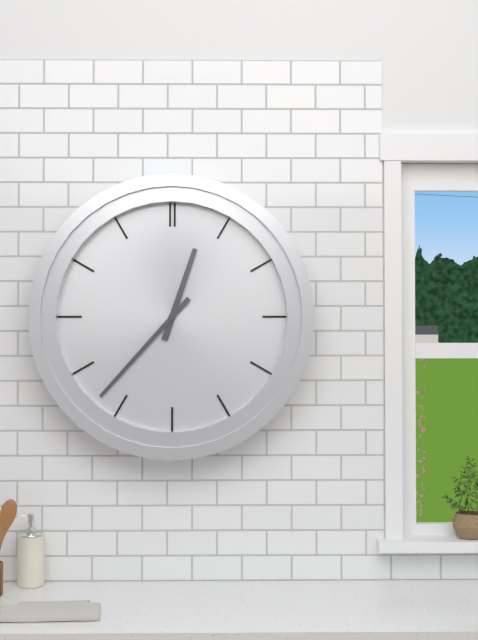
{"hour": 12, "minute": 37}
